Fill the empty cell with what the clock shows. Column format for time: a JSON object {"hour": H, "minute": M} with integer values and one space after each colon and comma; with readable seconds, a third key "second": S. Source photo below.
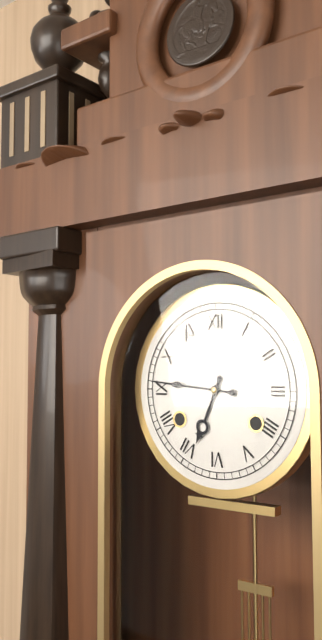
{"hour": 6, "minute": 46}
